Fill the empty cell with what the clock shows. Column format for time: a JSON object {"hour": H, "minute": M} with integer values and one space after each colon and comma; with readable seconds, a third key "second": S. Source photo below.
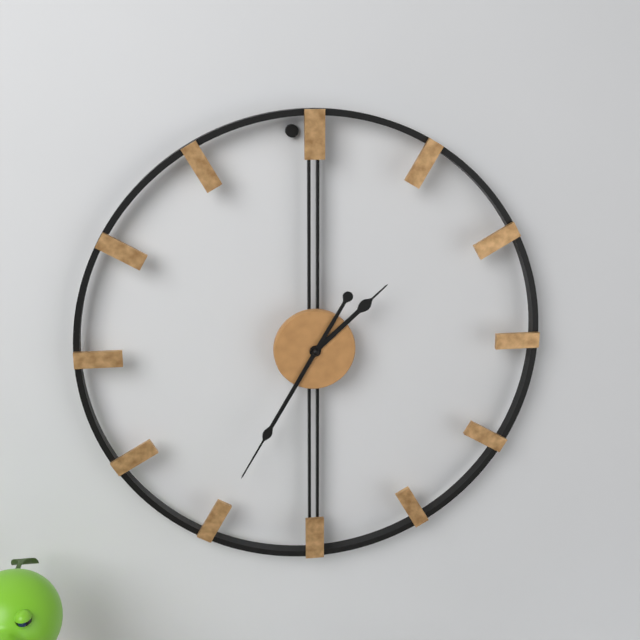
{"hour": 1, "minute": 35}
